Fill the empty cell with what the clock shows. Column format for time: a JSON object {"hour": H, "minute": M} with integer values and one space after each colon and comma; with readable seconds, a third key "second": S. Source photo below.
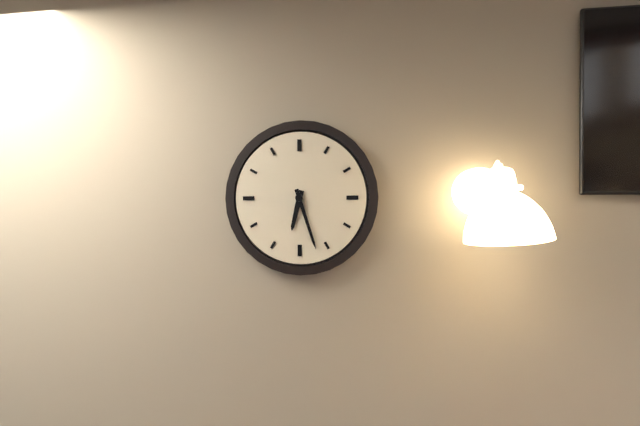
{"hour": 6, "minute": 27}
